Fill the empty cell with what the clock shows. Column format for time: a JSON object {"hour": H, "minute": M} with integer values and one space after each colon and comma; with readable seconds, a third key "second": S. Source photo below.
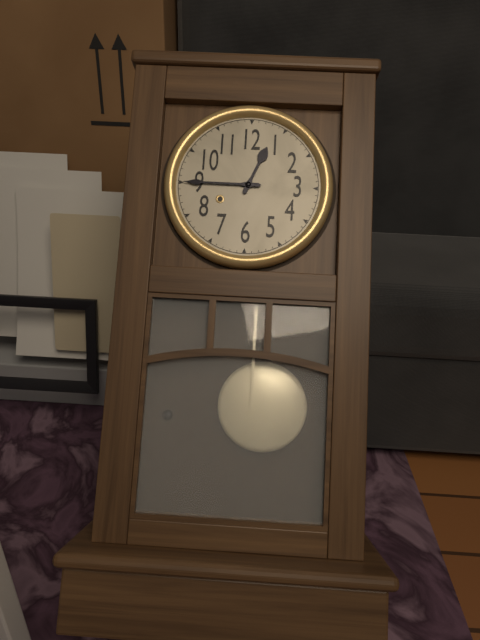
{"hour": 12, "minute": 45}
